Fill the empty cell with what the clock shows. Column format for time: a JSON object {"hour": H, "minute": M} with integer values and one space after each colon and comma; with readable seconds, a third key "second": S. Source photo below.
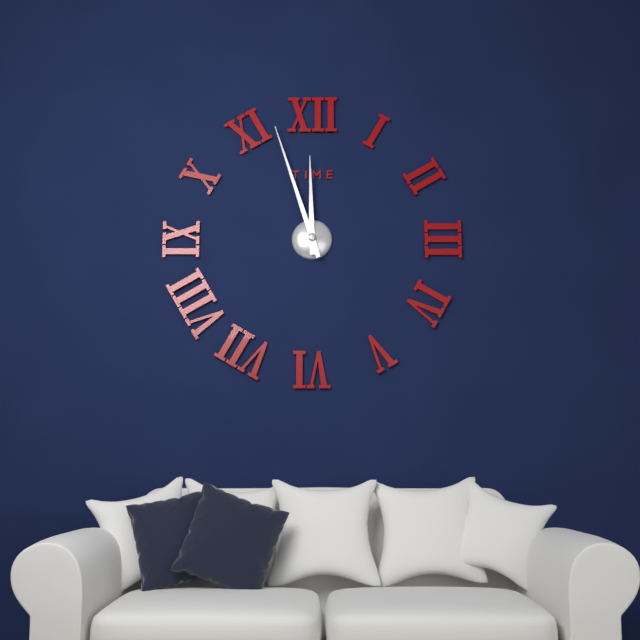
{"hour": 11, "minute": 57}
